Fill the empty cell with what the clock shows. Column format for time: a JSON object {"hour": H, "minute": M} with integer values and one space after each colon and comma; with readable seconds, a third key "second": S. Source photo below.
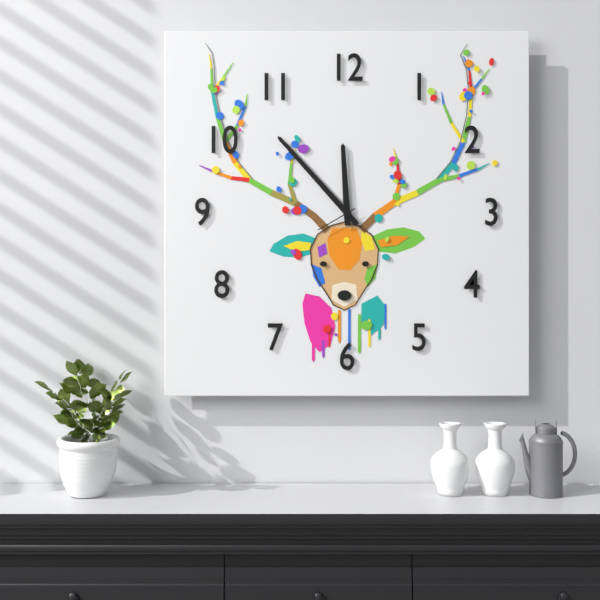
{"hour": 11, "minute": 53}
